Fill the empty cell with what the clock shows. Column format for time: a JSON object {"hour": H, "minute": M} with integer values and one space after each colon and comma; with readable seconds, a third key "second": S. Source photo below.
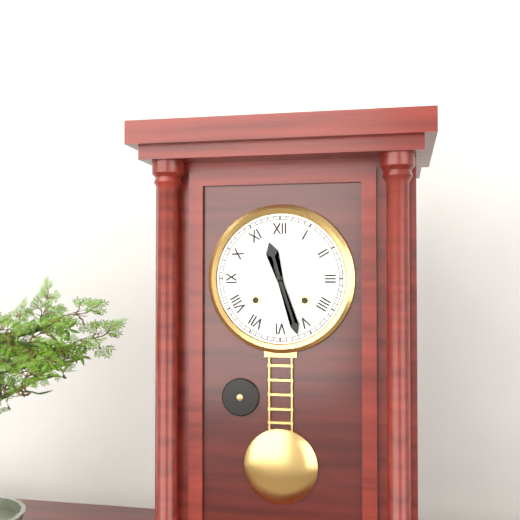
{"hour": 11, "minute": 27}
